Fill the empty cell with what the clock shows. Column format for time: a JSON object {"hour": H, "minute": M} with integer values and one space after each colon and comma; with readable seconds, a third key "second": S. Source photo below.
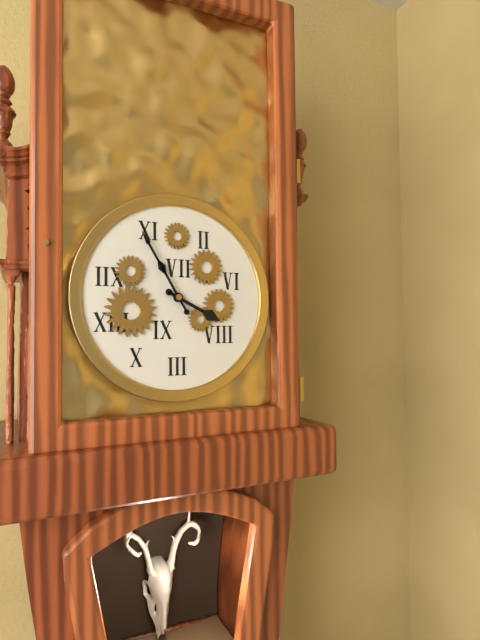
{"hour": 3, "minute": 55}
